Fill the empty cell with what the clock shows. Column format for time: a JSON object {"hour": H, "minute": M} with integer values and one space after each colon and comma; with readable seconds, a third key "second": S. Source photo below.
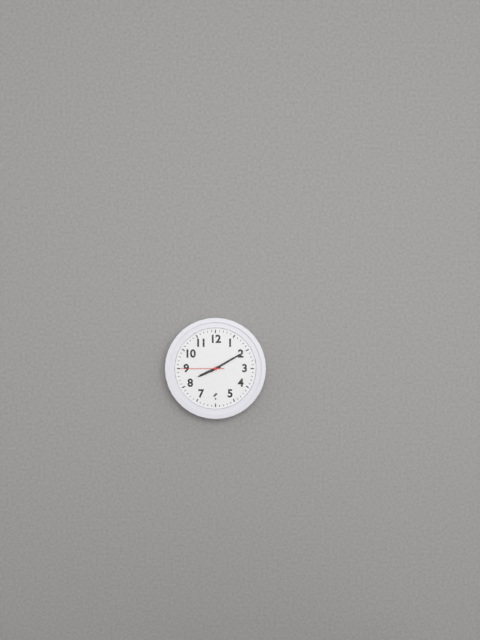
{"hour": 8, "minute": 10}
